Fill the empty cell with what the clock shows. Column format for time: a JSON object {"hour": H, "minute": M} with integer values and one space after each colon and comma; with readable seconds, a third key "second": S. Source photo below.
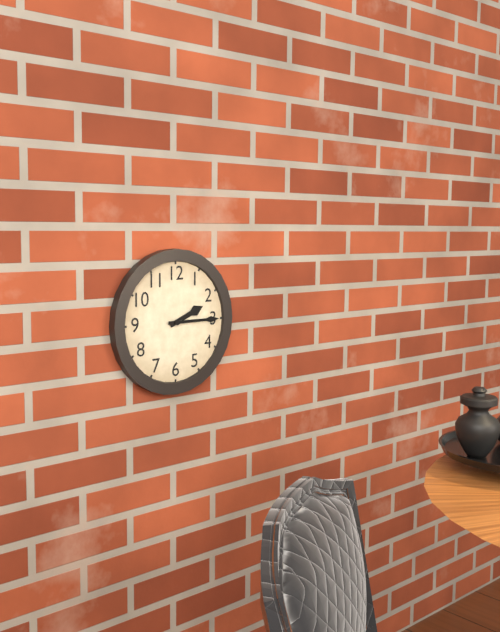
{"hour": 2, "minute": 15}
